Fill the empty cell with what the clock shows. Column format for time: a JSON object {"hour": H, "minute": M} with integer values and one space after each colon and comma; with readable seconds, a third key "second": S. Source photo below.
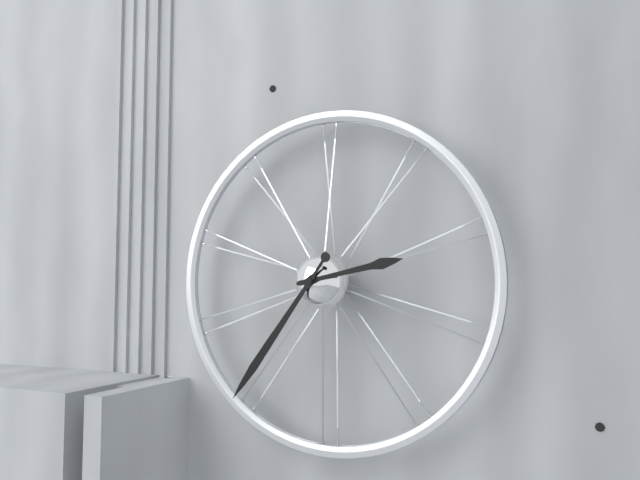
{"hour": 2, "minute": 36}
